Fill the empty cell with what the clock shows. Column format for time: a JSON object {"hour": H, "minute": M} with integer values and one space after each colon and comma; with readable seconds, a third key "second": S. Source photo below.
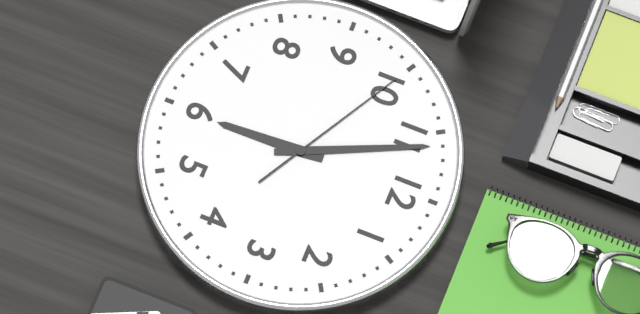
{"hour": 5, "minute": 56, "second": 50}
